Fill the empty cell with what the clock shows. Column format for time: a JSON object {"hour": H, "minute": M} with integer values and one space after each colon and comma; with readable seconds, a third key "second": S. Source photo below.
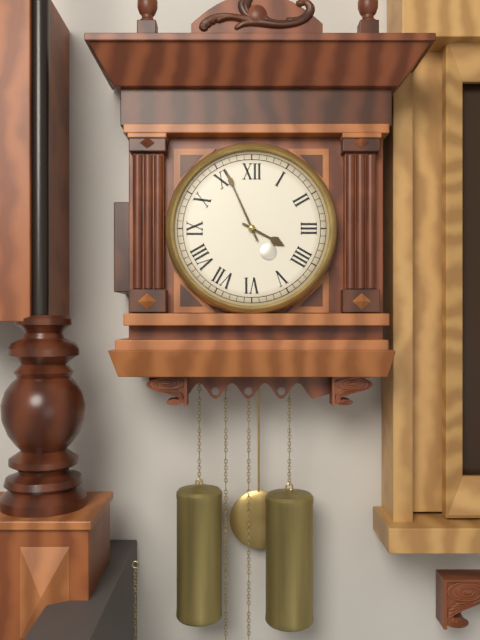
{"hour": 3, "minute": 56}
